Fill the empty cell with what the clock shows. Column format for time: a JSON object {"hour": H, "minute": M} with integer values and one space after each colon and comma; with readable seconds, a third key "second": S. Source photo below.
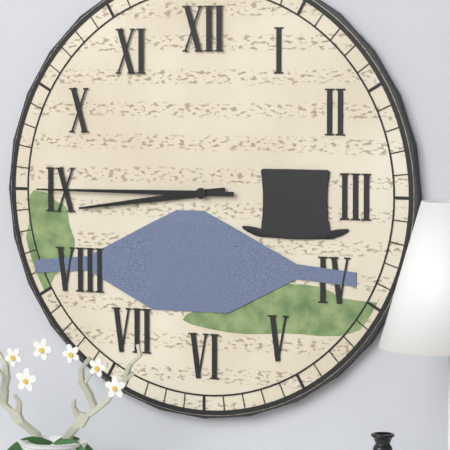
{"hour": 8, "minute": 45}
